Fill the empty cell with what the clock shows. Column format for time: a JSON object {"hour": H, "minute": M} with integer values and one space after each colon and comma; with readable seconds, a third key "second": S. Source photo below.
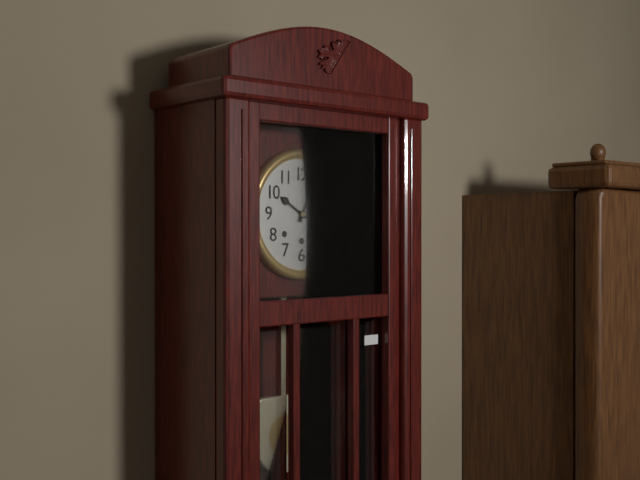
{"hour": 10, "minute": 4}
